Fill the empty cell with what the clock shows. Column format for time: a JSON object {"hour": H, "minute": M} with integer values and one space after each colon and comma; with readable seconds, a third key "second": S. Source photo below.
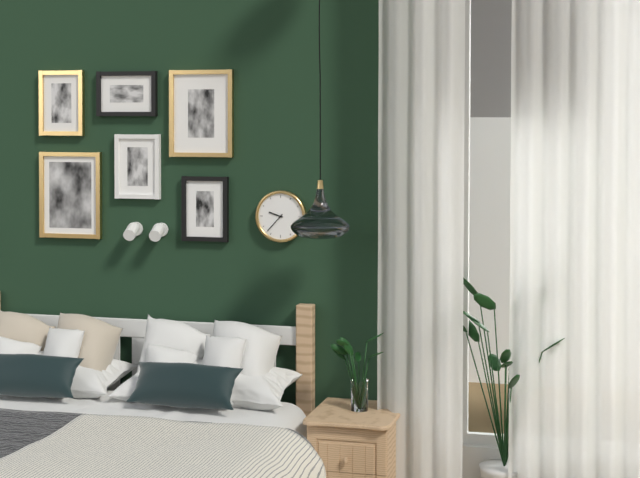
{"hour": 9, "minute": 37}
